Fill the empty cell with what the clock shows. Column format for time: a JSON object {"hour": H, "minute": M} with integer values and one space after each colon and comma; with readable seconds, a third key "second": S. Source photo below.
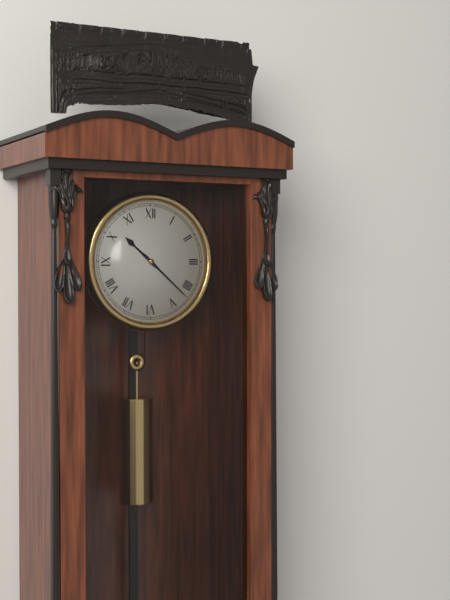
{"hour": 10, "minute": 22}
